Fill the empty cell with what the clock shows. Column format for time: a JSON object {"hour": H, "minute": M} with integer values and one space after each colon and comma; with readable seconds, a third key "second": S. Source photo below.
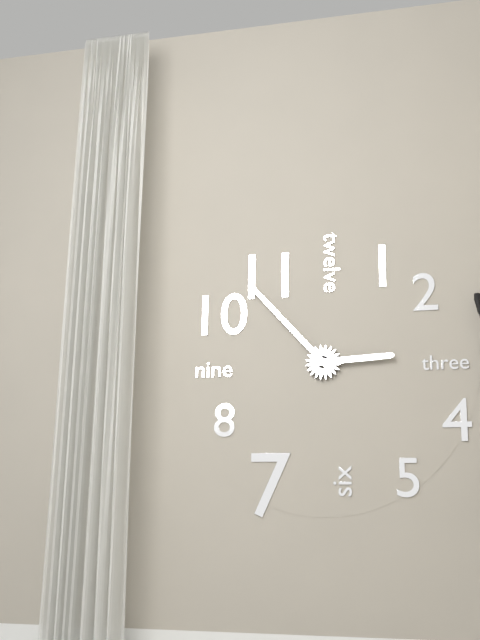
{"hour": 2, "minute": 53}
